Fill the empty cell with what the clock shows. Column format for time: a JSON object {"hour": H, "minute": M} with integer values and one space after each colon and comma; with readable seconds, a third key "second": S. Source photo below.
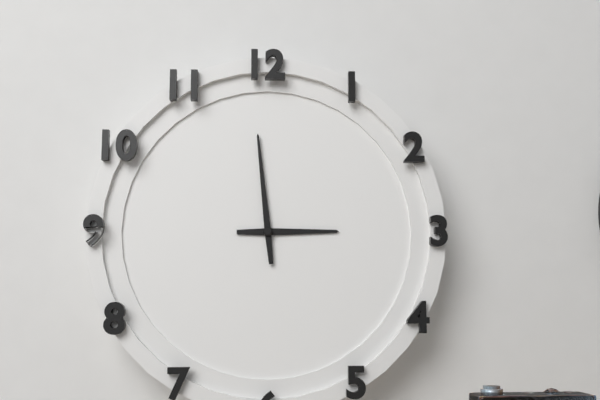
{"hour": 2, "minute": 59}
